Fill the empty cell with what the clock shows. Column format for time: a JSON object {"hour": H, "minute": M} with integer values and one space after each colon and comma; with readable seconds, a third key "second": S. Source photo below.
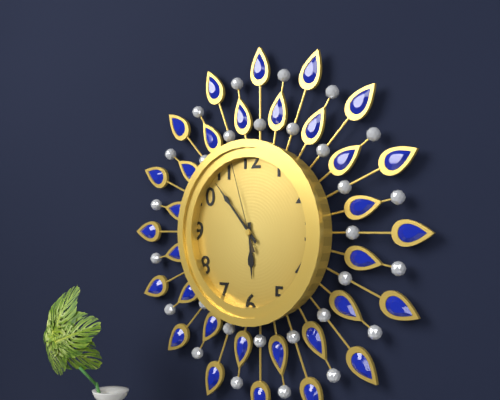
{"hour": 5, "minute": 53, "second": 57}
